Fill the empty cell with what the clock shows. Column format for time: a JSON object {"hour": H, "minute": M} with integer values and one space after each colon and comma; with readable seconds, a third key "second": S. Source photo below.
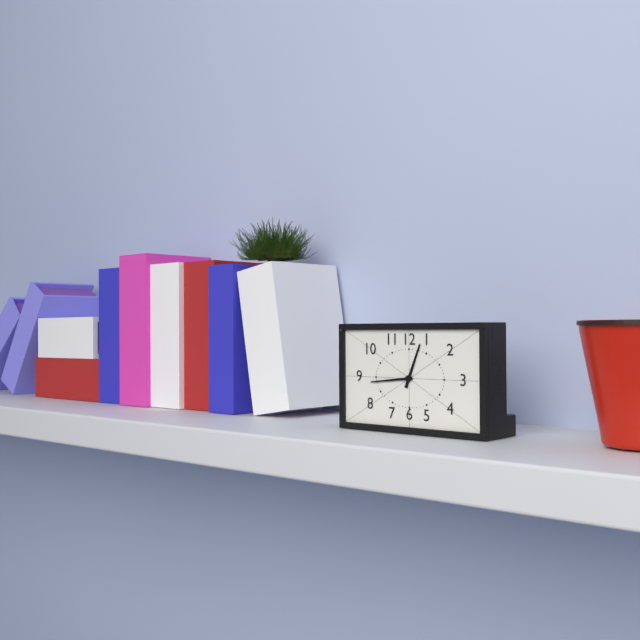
{"hour": 12, "minute": 44}
